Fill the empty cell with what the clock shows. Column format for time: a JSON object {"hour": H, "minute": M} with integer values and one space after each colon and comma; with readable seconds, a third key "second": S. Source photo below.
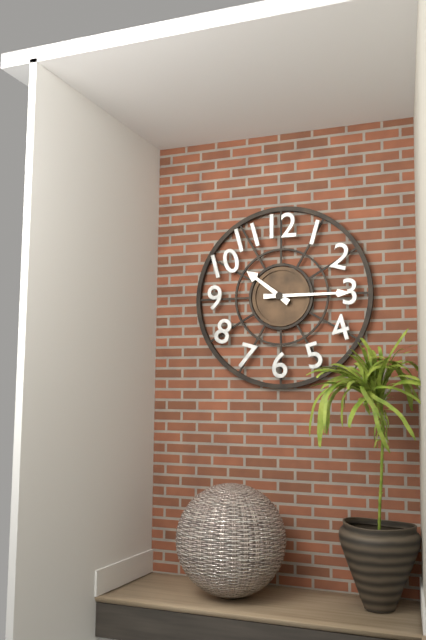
{"hour": 10, "minute": 15}
